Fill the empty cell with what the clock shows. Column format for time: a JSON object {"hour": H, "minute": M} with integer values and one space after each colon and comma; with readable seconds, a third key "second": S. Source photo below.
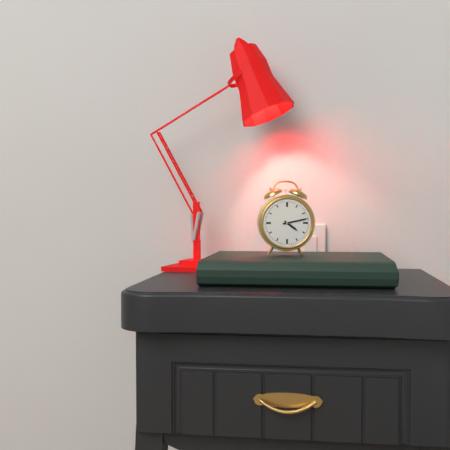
{"hour": 4, "minute": 13}
